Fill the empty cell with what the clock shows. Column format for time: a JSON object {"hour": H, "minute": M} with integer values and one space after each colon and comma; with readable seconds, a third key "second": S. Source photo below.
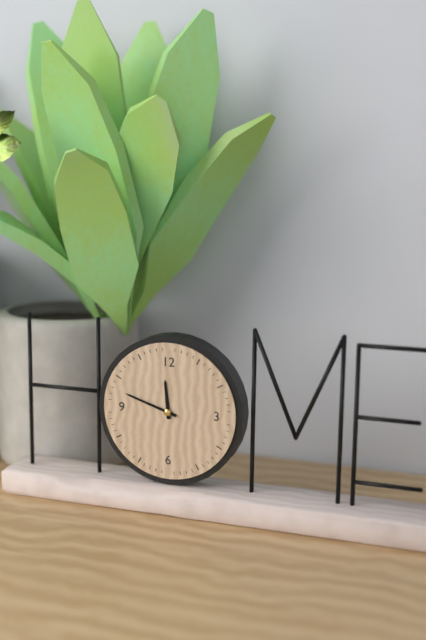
{"hour": 11, "minute": 48}
